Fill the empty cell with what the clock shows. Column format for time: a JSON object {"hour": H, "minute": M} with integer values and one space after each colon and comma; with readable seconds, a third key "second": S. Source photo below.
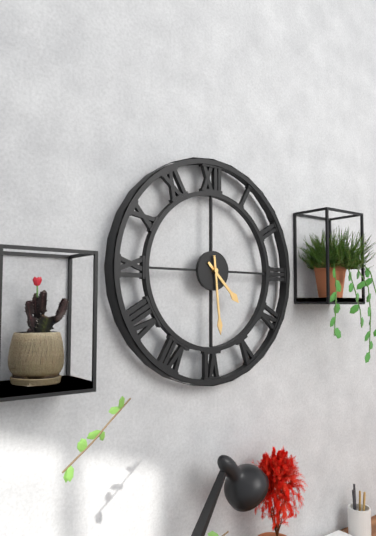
{"hour": 4, "minute": 29}
